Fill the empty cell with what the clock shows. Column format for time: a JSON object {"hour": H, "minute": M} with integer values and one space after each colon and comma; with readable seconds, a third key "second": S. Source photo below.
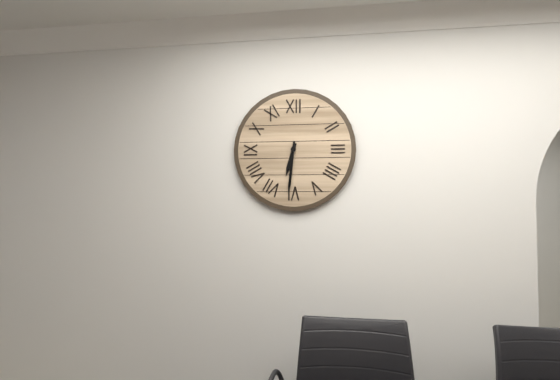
{"hour": 6, "minute": 31}
